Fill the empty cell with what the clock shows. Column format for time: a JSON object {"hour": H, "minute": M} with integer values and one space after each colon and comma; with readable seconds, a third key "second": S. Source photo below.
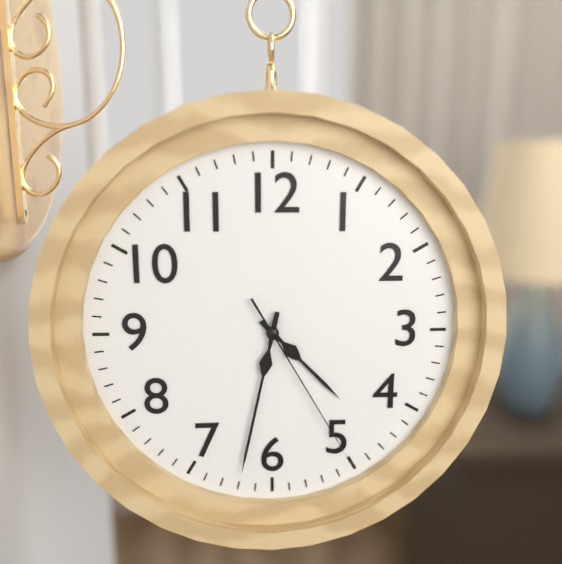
{"hour": 4, "minute": 32, "second": 25}
